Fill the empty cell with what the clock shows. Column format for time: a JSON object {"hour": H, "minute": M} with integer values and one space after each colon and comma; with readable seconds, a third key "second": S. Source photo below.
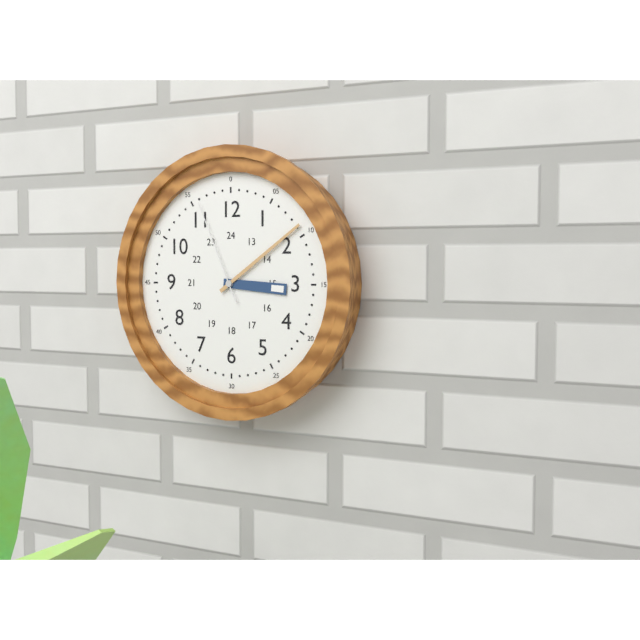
{"hour": 3, "minute": 9, "second": 56}
